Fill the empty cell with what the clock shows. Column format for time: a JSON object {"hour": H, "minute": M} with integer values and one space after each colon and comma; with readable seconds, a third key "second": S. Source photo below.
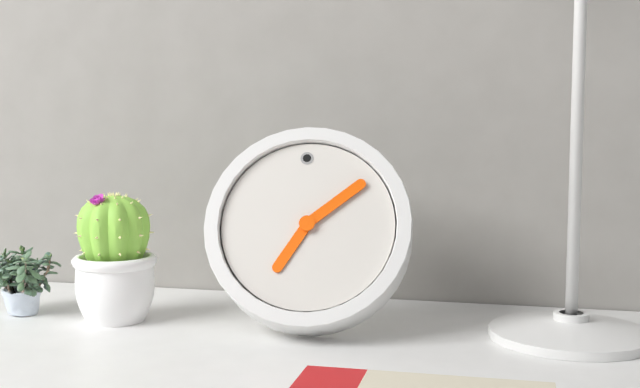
{"hour": 7, "minute": 9}
